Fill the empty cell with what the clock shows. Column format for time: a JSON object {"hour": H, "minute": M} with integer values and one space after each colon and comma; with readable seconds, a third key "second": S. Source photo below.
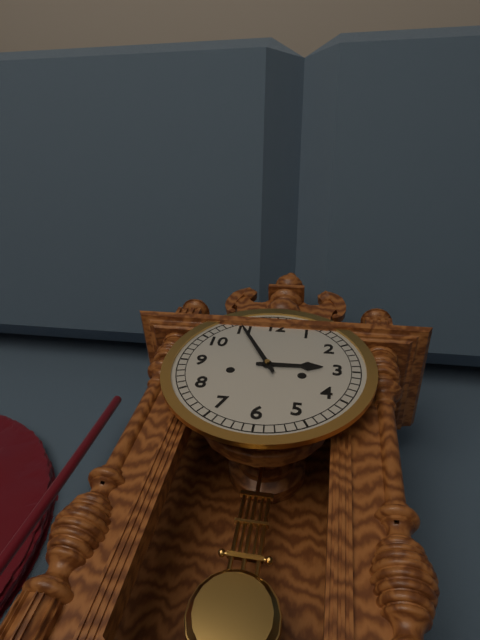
{"hour": 2, "minute": 55}
